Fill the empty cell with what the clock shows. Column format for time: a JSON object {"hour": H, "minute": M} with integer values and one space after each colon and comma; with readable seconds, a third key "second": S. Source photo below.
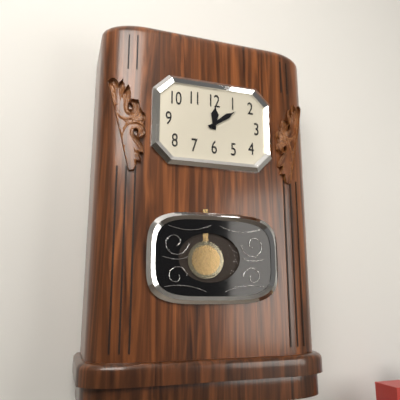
{"hour": 12, "minute": 9}
